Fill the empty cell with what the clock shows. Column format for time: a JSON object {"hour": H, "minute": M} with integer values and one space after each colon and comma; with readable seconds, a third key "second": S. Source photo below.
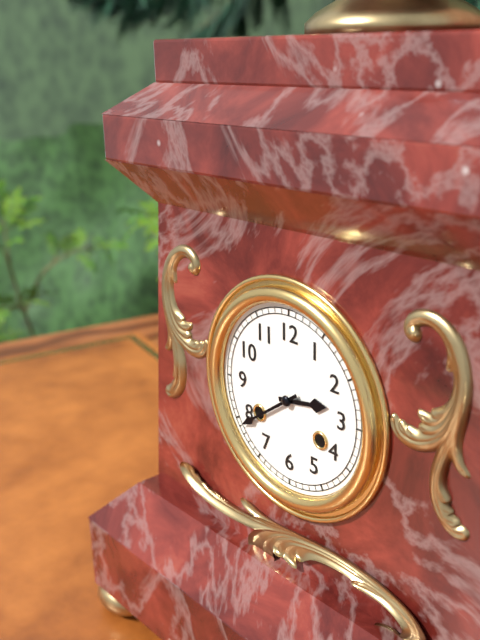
{"hour": 2, "minute": 39}
